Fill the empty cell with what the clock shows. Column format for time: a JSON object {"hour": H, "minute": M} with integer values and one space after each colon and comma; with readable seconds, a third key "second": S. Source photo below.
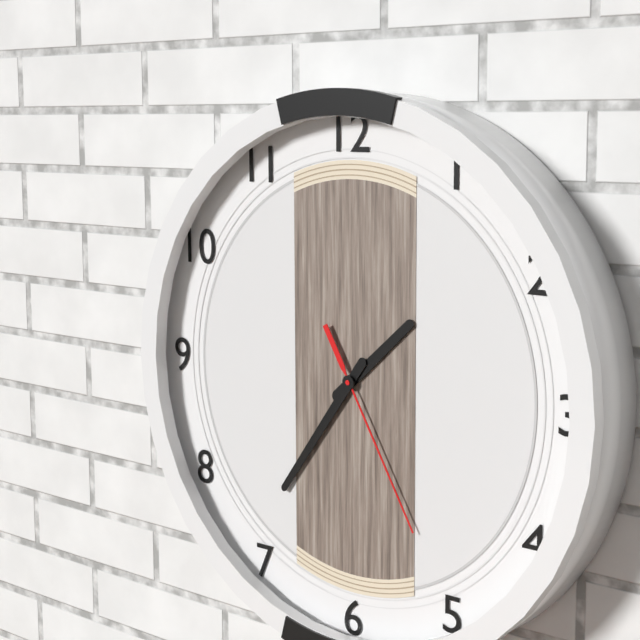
{"hour": 1, "minute": 36, "second": 25}
